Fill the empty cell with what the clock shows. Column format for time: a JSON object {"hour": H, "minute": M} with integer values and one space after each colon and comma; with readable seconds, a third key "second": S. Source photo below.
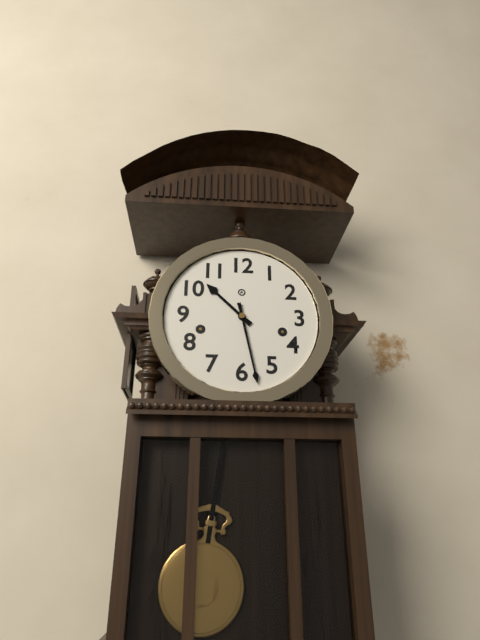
{"hour": 10, "minute": 28}
